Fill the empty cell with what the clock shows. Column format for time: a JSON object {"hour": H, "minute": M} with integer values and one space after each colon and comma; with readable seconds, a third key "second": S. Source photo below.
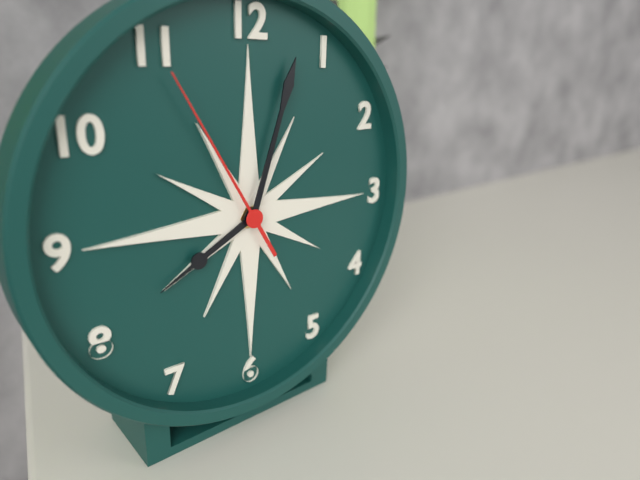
{"hour": 8, "minute": 3, "second": 55}
